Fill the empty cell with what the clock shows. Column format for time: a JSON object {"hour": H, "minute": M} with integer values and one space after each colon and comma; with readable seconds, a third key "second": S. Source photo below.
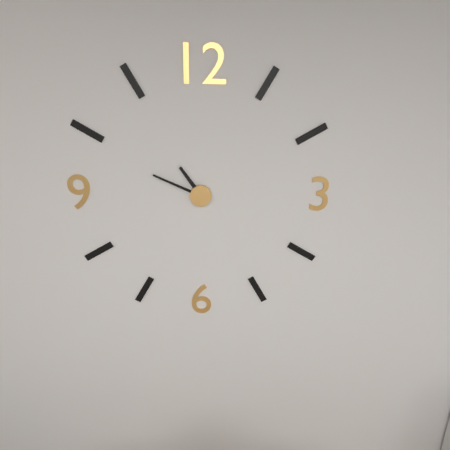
{"hour": 10, "minute": 49}
